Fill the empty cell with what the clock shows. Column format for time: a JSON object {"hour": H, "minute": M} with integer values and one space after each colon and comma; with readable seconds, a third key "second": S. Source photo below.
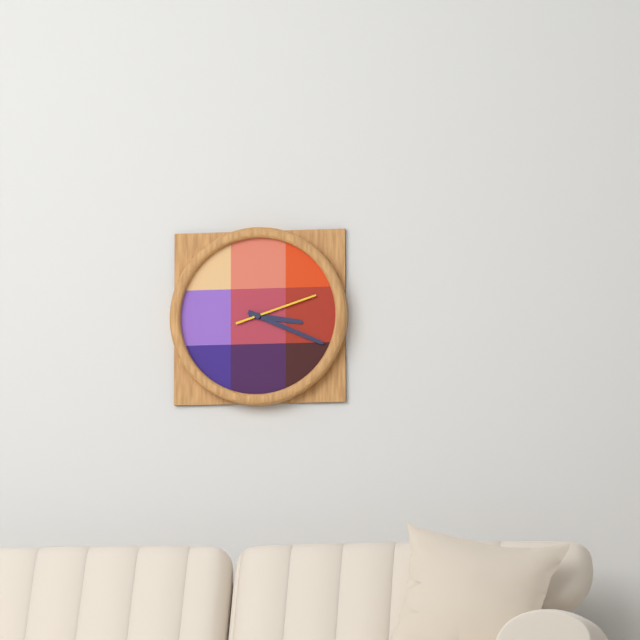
{"hour": 3, "minute": 19, "second": 12}
